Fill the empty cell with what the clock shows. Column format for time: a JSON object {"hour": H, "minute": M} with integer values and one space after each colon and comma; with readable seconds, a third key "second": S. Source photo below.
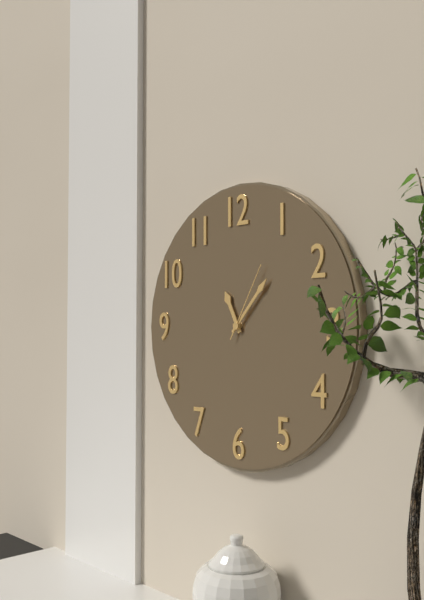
{"hour": 11, "minute": 7, "second": 5}
